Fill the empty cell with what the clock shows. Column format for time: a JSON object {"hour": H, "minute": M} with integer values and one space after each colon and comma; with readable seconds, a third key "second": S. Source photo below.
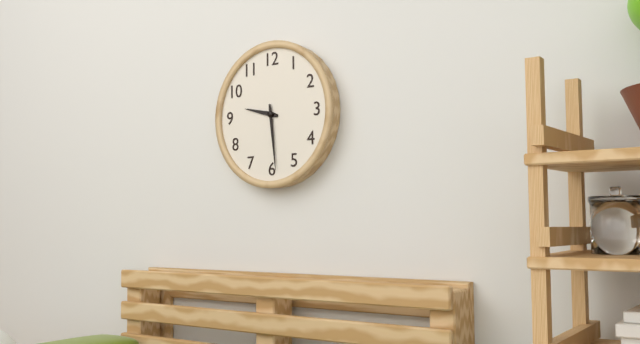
{"hour": 9, "minute": 29}
